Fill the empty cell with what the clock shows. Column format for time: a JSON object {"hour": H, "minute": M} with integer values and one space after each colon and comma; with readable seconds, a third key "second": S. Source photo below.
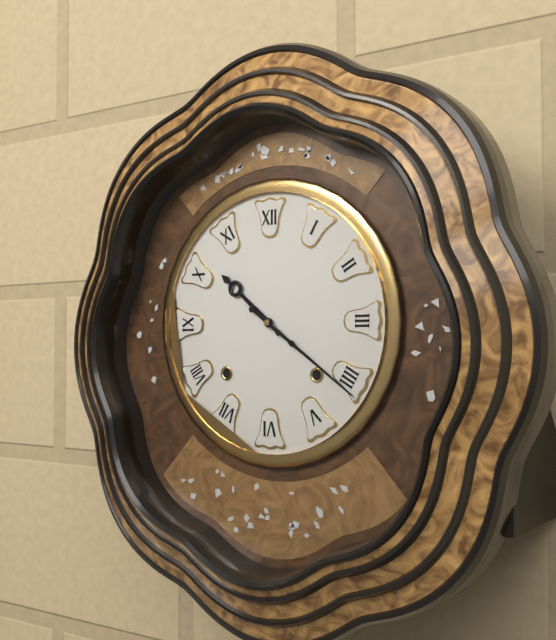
{"hour": 10, "minute": 21}
